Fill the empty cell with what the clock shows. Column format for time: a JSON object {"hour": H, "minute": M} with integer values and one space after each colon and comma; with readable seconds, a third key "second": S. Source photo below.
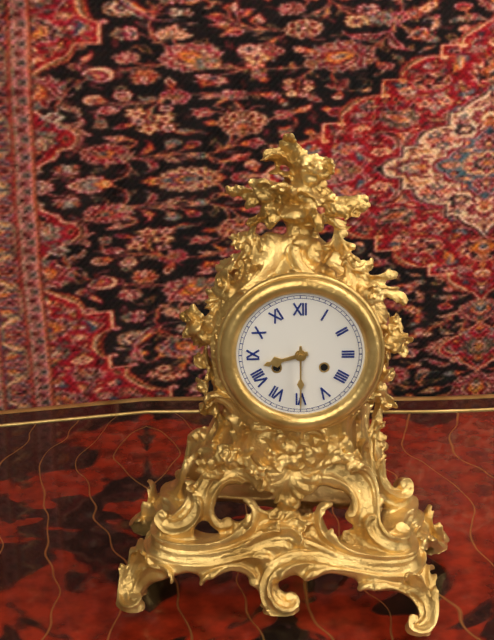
{"hour": 8, "minute": 30}
